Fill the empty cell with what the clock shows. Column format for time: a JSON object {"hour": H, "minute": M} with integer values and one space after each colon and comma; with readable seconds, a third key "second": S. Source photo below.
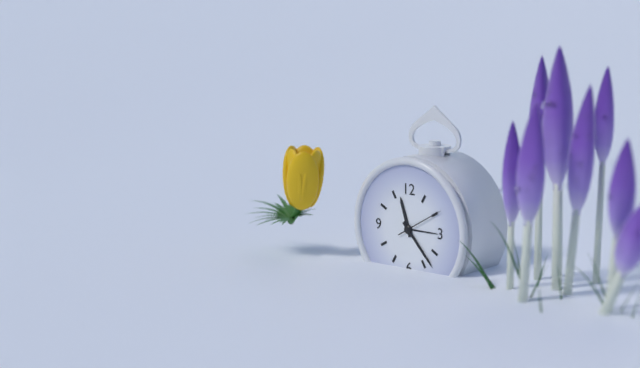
{"hour": 11, "minute": 23}
